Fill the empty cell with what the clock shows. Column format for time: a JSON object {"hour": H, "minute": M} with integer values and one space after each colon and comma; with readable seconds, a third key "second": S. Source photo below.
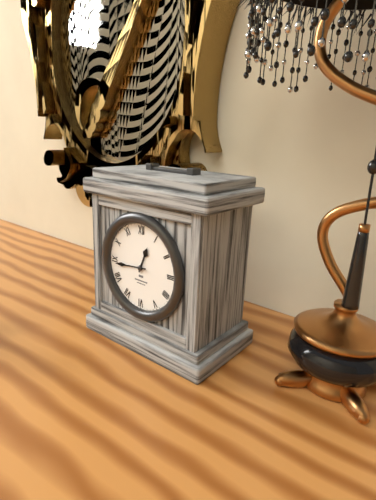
{"hour": 12, "minute": 44}
